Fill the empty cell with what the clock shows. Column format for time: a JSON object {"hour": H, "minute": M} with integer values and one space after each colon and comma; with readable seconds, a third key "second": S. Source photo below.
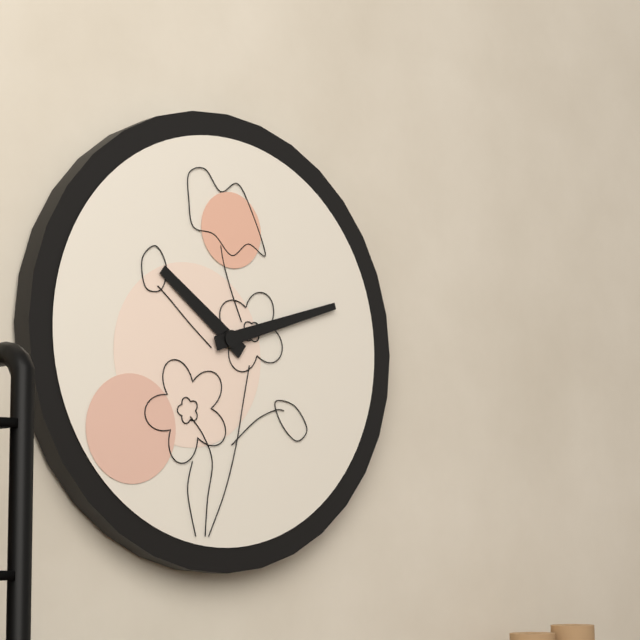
{"hour": 10, "minute": 12}
